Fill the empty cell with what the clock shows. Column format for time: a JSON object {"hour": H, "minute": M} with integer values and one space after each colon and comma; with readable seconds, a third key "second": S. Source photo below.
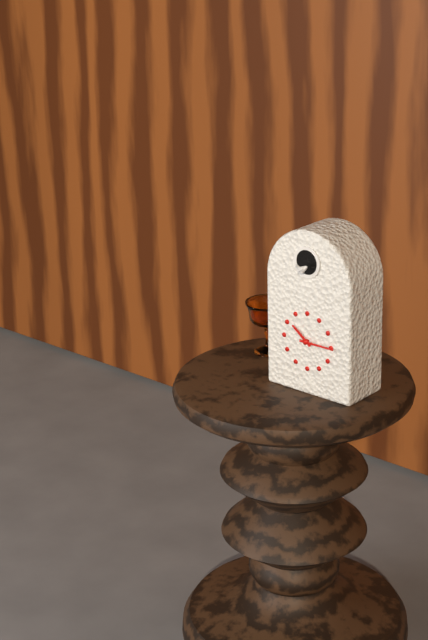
{"hour": 10, "minute": 15}
